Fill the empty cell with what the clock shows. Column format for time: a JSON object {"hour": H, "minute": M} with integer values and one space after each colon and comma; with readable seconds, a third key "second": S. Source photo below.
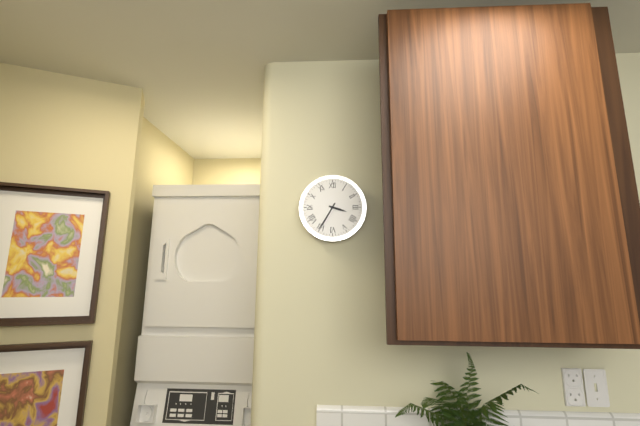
{"hour": 3, "minute": 35}
